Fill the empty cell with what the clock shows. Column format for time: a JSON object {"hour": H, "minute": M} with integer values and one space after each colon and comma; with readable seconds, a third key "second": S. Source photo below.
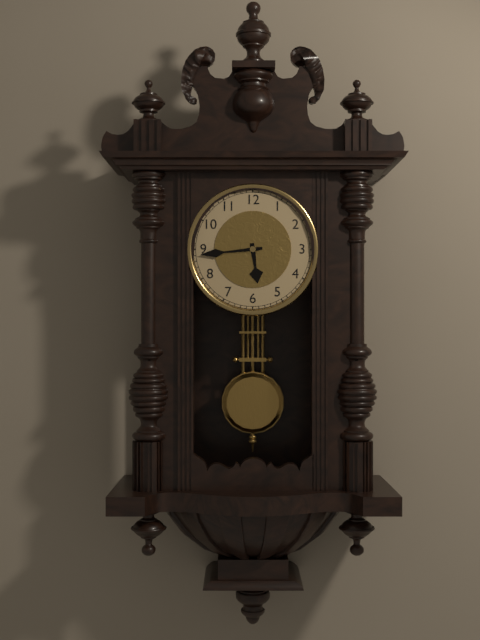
{"hour": 5, "minute": 44}
